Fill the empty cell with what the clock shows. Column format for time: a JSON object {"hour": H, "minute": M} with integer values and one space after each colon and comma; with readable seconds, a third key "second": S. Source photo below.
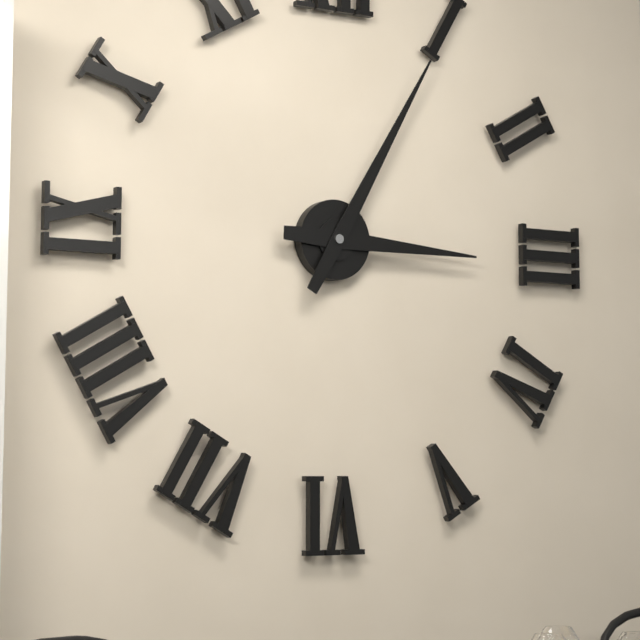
{"hour": 3, "minute": 5}
